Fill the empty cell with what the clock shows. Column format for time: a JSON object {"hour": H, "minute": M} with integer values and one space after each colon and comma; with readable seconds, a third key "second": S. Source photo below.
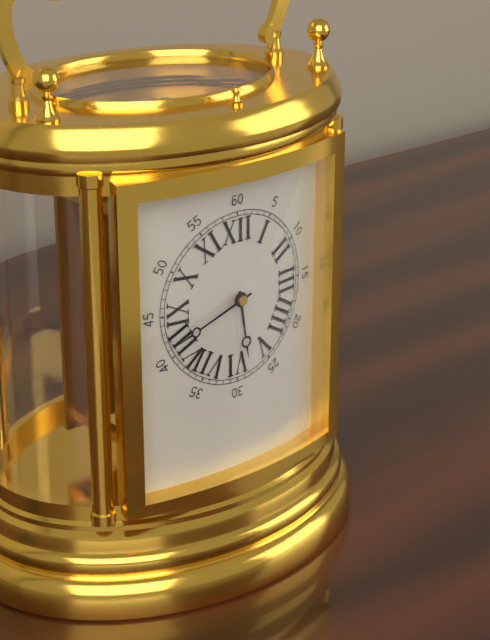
{"hour": 5, "minute": 42}
